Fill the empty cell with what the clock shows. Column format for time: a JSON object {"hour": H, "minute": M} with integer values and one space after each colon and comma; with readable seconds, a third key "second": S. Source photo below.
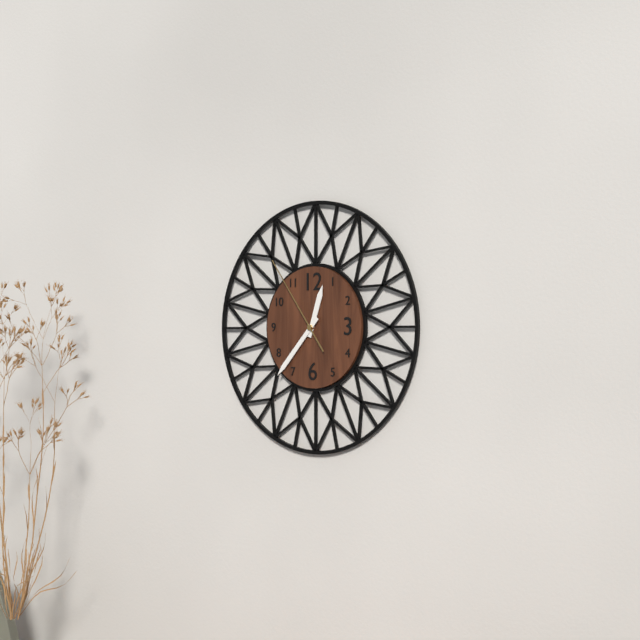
{"hour": 12, "minute": 37, "second": 54}
